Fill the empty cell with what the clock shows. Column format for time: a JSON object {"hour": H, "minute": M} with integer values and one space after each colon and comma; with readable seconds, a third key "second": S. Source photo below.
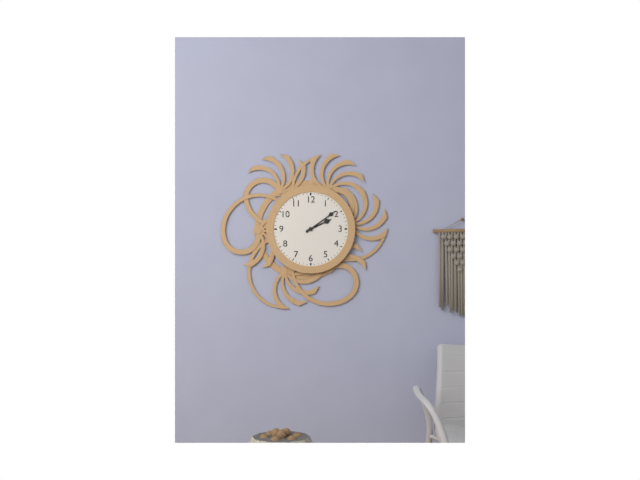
{"hour": 2, "minute": 9}
